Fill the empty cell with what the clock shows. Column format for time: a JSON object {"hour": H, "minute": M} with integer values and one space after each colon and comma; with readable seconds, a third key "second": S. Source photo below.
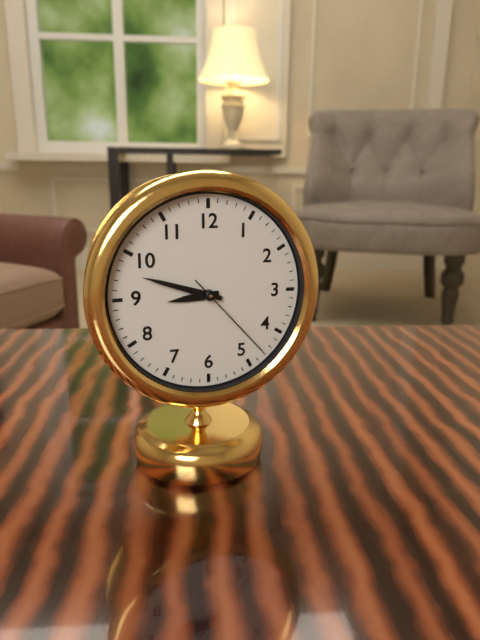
{"hour": 8, "minute": 48, "second": 23}
